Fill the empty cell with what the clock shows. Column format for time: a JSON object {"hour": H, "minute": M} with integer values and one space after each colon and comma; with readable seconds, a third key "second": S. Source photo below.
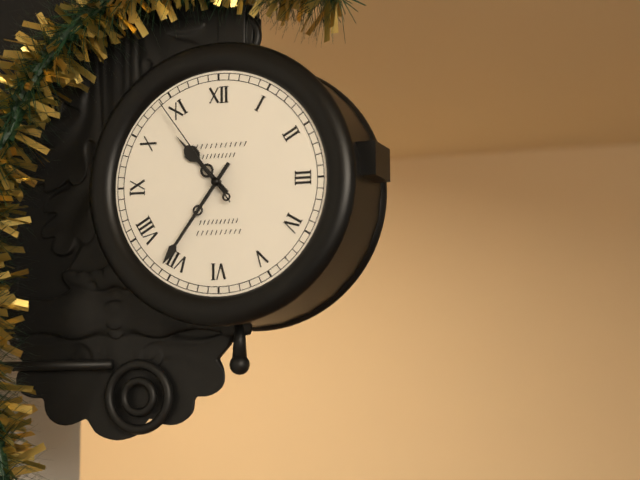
{"hour": 10, "minute": 36, "second": 54}
